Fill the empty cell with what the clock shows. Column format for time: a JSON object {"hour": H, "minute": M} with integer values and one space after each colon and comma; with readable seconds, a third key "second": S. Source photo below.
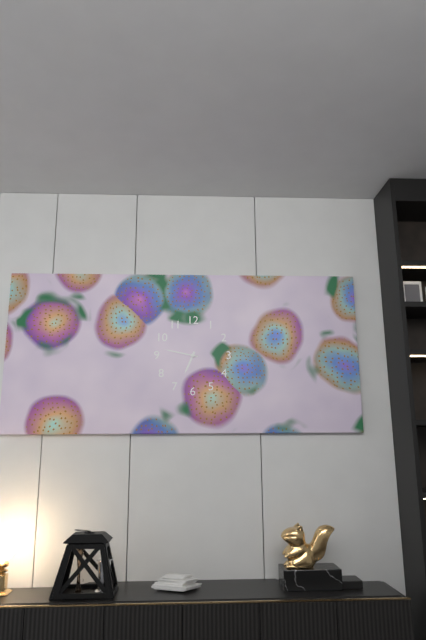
{"hour": 6, "minute": 47}
